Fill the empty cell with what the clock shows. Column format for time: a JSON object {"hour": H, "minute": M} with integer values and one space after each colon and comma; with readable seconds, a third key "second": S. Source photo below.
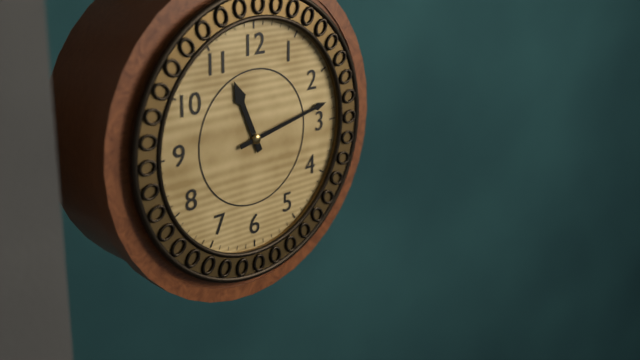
{"hour": 11, "minute": 13}
